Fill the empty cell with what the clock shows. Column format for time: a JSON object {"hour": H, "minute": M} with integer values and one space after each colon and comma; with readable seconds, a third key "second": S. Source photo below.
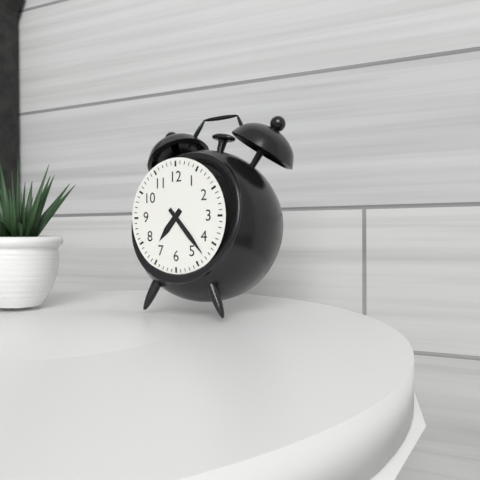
{"hour": 7, "minute": 23}
